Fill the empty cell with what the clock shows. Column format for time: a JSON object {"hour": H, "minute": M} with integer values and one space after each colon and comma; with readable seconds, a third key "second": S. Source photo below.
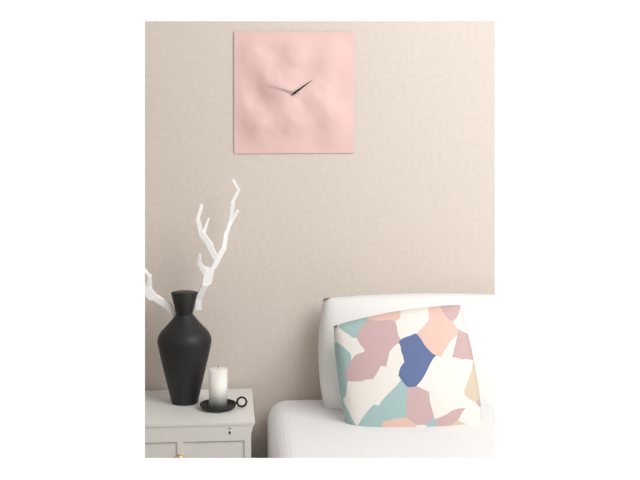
{"hour": 1, "minute": 48}
